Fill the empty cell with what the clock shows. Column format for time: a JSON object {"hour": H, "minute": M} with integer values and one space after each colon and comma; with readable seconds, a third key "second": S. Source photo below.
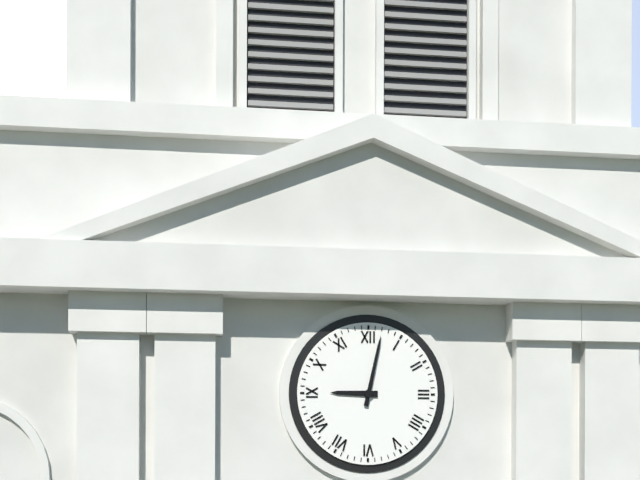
{"hour": 9, "minute": 2}
